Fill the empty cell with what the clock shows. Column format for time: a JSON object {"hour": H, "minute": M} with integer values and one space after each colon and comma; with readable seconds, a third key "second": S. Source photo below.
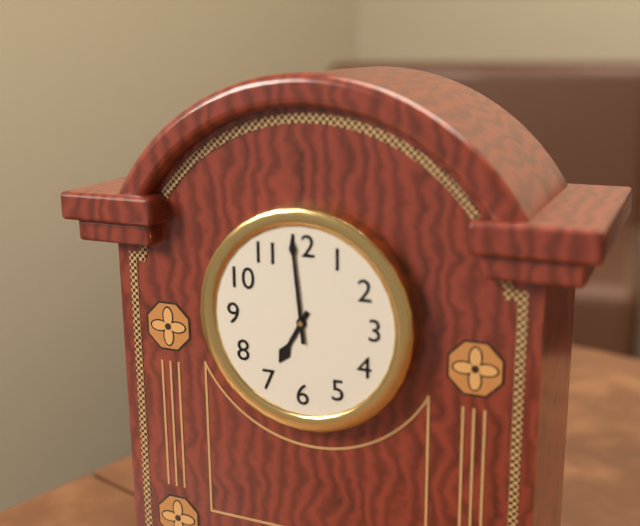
{"hour": 6, "minute": 59}
